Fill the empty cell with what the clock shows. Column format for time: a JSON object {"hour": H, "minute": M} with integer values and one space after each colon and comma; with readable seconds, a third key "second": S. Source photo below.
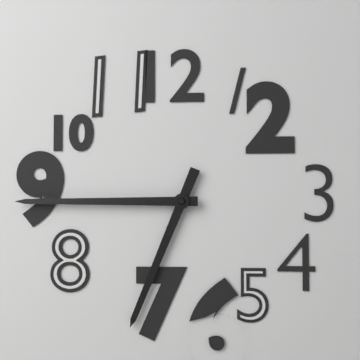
{"hour": 6, "minute": 45}
